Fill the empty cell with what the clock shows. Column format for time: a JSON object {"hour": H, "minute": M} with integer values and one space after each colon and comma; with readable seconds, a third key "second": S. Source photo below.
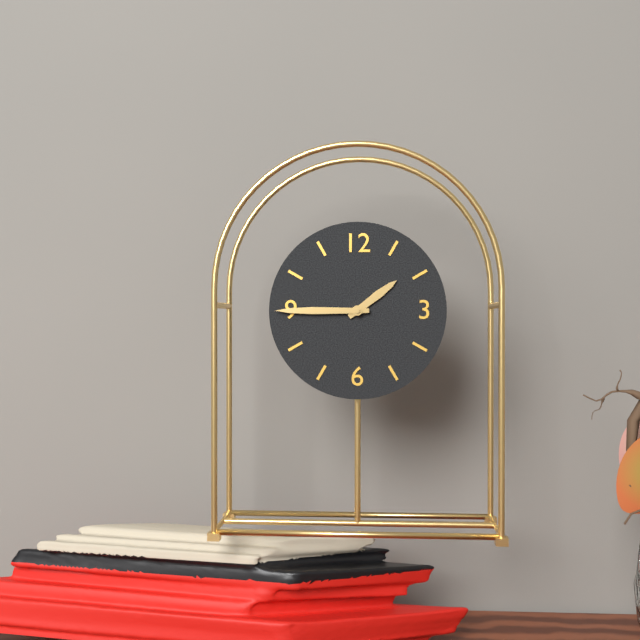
{"hour": 1, "minute": 45}
